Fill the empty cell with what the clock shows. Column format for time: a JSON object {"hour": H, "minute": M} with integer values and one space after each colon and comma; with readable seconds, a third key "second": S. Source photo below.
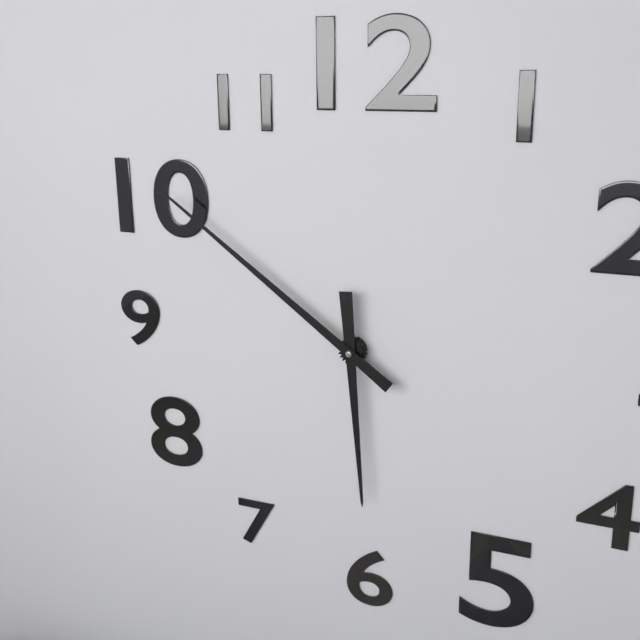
{"hour": 5, "minute": 51}
